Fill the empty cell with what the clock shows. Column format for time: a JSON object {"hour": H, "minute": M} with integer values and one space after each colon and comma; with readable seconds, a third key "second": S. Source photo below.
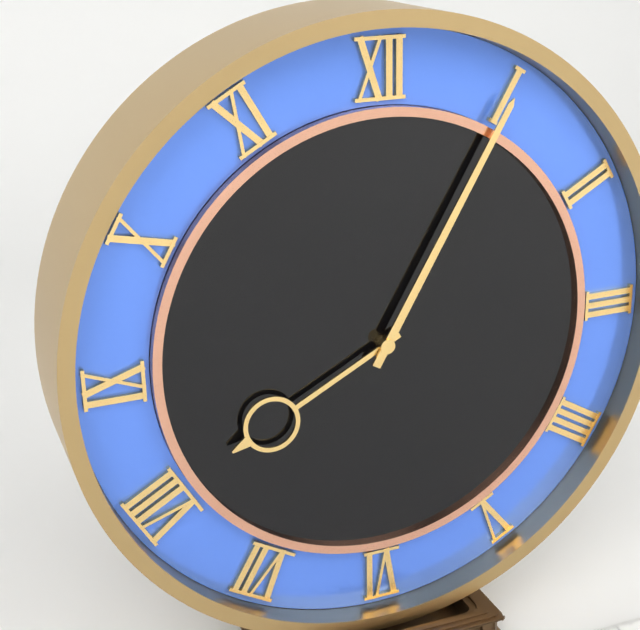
{"hour": 8, "minute": 5}
